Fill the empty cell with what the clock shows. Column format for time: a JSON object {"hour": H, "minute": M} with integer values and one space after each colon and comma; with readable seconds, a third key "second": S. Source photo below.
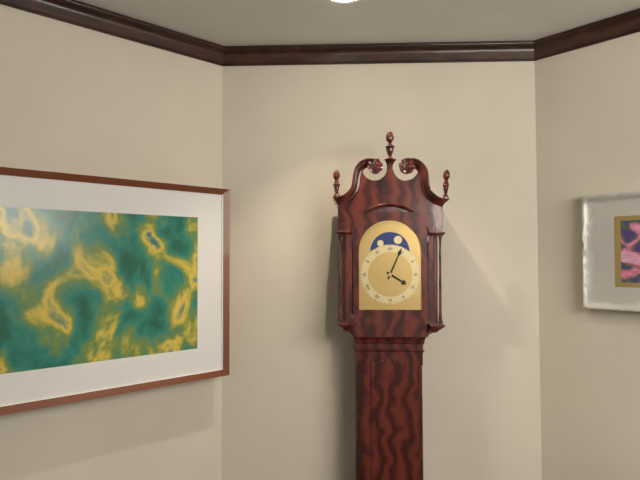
{"hour": 4, "minute": 4}
